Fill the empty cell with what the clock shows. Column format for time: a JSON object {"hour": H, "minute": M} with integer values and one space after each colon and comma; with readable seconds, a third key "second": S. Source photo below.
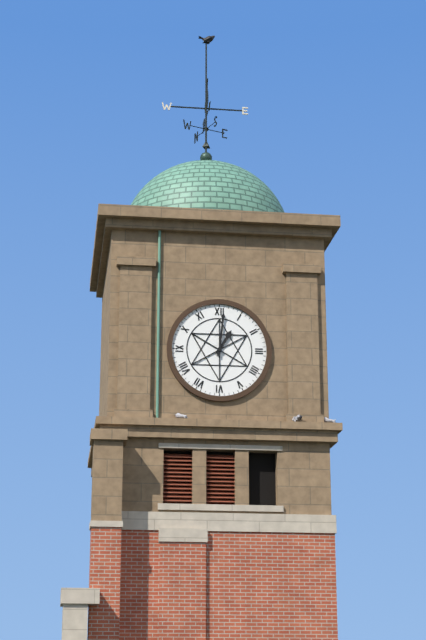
{"hour": 1, "minute": 1}
